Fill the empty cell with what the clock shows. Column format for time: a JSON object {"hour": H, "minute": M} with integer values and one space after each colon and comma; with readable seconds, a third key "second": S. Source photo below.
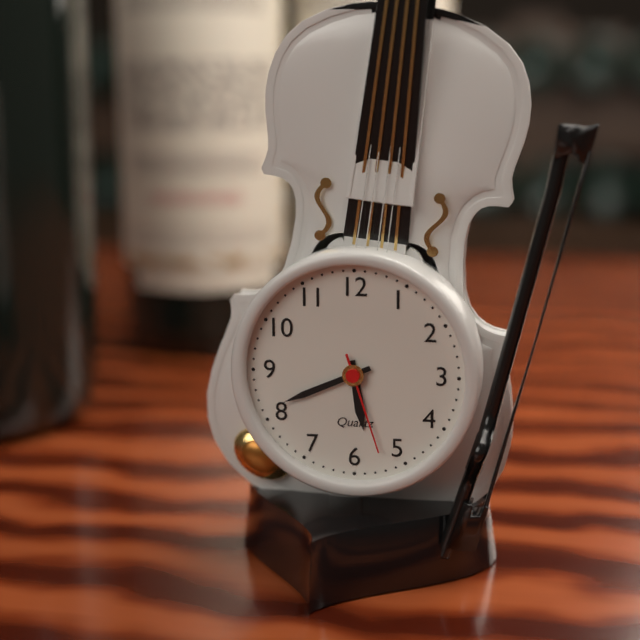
{"hour": 5, "minute": 41, "second": 27}
